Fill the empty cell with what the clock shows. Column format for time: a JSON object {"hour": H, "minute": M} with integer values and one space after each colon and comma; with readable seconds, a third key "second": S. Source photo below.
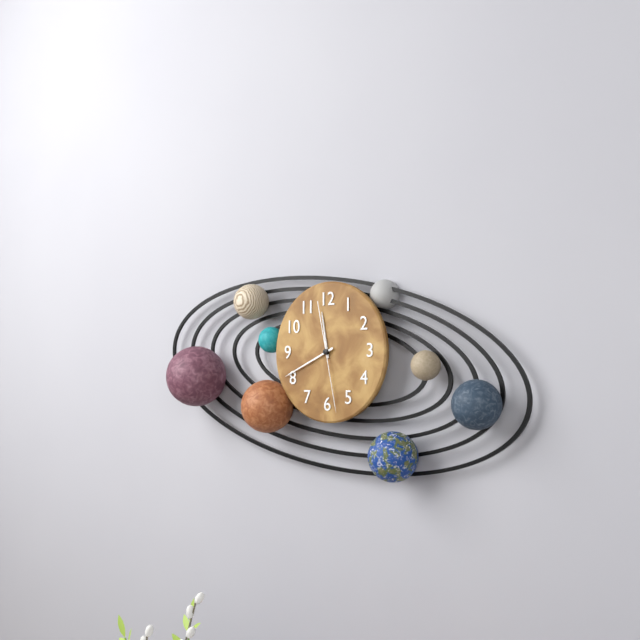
{"hour": 11, "minute": 41, "second": 28}
